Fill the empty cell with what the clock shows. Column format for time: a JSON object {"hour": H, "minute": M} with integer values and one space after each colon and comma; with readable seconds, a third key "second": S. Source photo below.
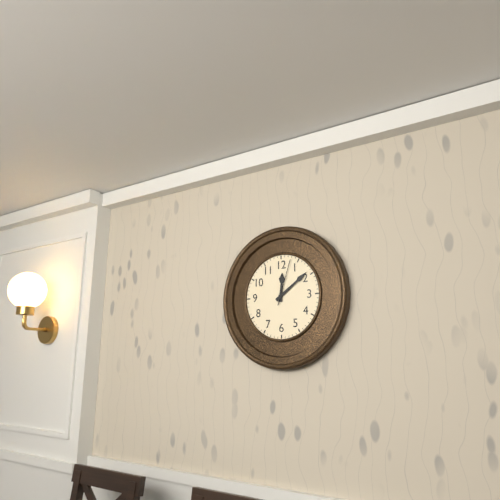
{"hour": 12, "minute": 9}
